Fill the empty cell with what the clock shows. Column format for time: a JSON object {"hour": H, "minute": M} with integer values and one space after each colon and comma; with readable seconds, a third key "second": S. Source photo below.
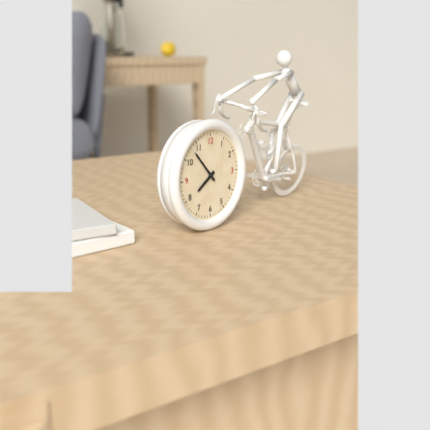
{"hour": 7, "minute": 53}
